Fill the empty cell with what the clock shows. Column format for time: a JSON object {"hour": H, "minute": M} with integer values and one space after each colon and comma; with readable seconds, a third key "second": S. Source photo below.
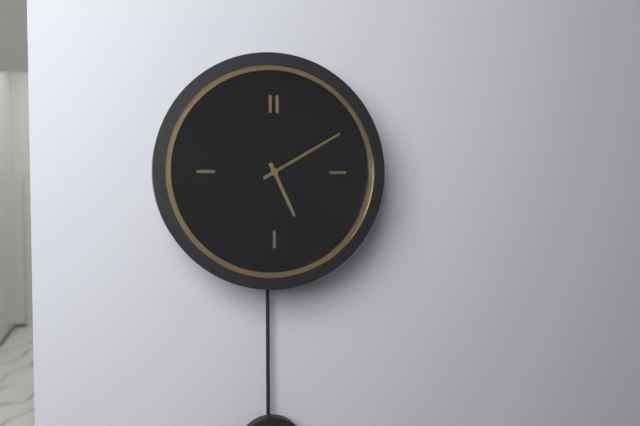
{"hour": 5, "minute": 10}
